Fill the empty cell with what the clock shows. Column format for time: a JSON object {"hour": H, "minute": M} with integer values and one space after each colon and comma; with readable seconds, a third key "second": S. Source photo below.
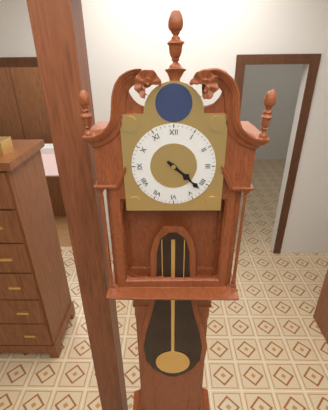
{"hour": 4, "minute": 22}
